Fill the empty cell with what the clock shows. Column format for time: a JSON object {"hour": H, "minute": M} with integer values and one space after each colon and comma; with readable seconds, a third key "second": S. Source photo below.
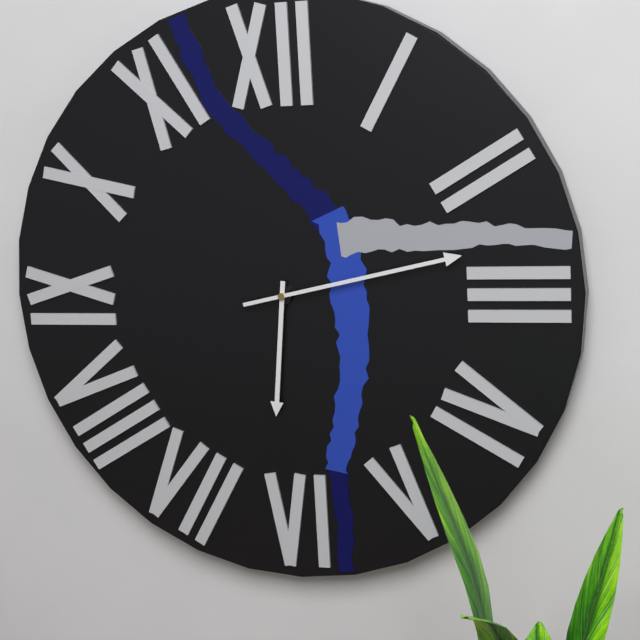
{"hour": 6, "minute": 13}
